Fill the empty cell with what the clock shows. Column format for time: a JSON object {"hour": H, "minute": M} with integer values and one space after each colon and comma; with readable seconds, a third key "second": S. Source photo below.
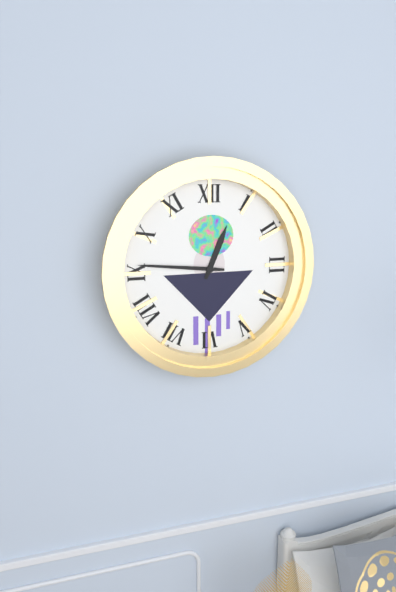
{"hour": 12, "minute": 46}
